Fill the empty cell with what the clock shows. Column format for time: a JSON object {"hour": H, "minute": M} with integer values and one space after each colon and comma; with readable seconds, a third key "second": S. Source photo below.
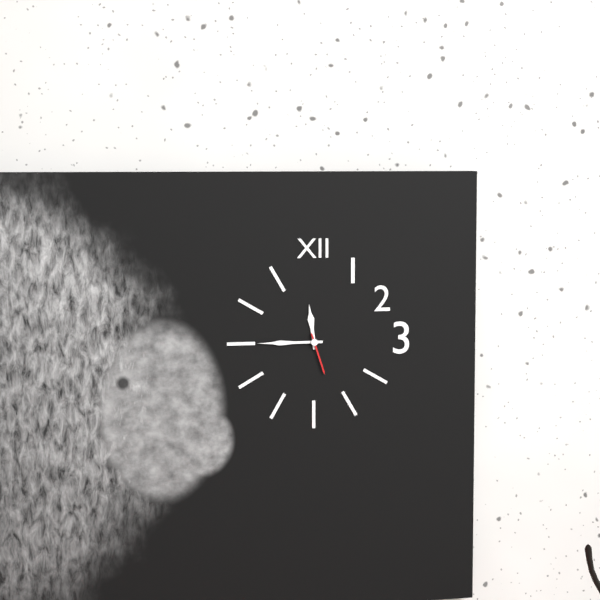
{"hour": 11, "minute": 45}
